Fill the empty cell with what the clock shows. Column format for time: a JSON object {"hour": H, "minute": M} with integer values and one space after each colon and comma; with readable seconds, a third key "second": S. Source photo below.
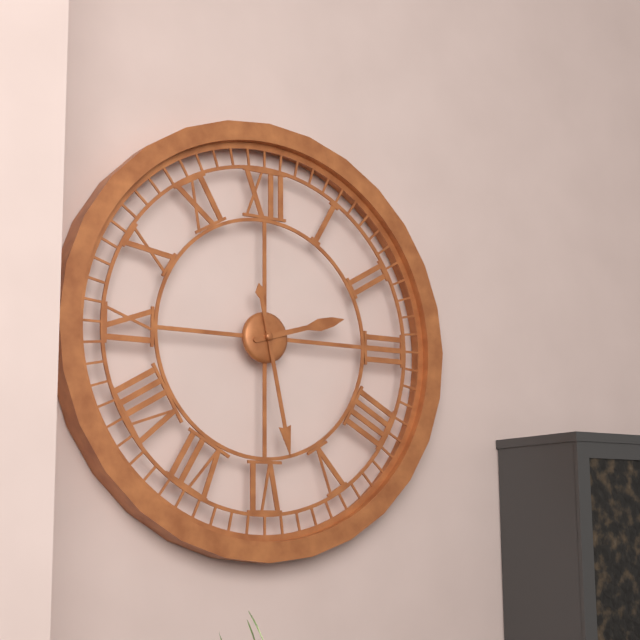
{"hour": 2, "minute": 28}
